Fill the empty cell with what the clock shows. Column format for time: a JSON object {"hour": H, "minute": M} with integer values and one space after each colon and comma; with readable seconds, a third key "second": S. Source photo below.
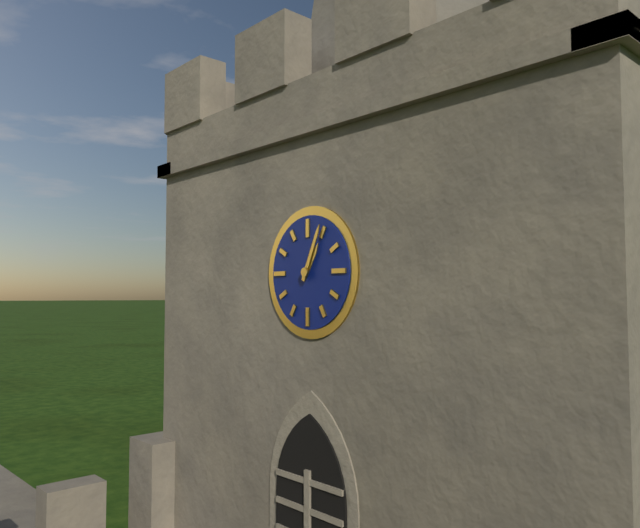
{"hour": 1, "minute": 4}
